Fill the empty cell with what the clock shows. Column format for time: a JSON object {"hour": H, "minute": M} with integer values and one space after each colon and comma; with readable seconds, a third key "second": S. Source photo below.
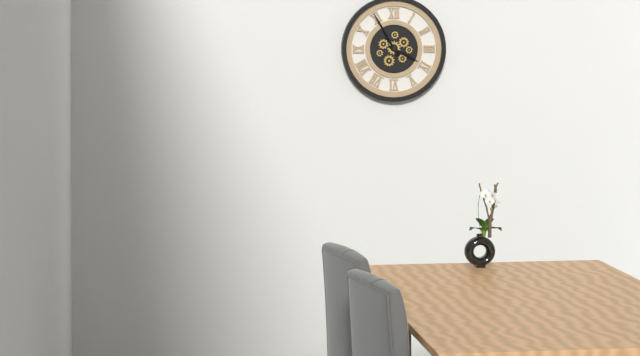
{"hour": 3, "minute": 55}
